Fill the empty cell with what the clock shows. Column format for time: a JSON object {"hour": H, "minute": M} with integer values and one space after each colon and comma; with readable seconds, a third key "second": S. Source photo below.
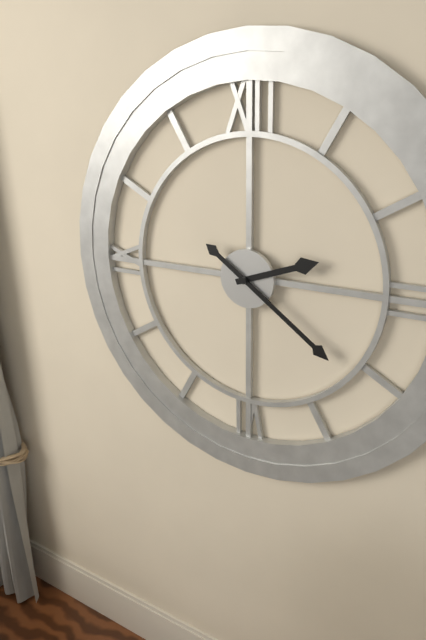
{"hour": 2, "minute": 21}
